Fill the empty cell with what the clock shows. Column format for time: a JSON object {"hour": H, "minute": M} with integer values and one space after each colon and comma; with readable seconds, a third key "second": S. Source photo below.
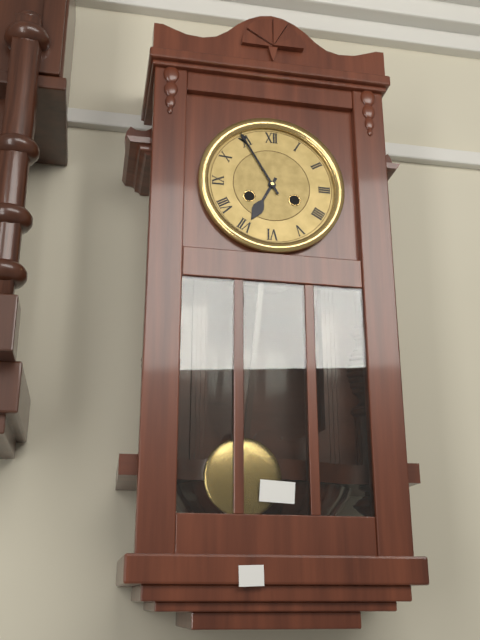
{"hour": 6, "minute": 55}
